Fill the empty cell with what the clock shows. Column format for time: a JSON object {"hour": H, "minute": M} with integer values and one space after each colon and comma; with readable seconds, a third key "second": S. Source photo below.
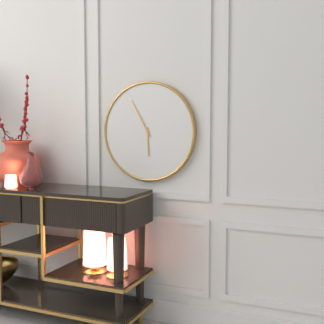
{"hour": 5, "minute": 55}
